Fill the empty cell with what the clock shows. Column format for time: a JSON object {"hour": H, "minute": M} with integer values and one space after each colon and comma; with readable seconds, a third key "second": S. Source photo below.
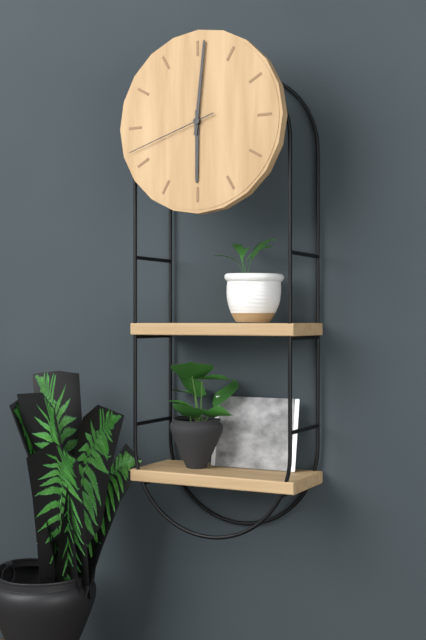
{"hour": 6, "minute": 1, "second": 42}
